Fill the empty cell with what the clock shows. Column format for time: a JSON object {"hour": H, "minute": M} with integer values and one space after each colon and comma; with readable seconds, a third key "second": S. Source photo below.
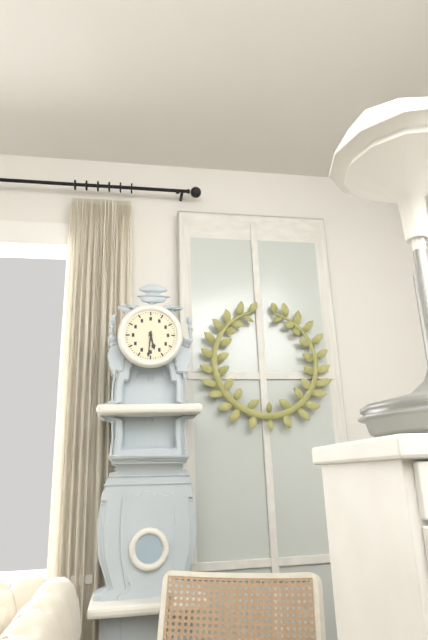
{"hour": 5, "minute": 31}
